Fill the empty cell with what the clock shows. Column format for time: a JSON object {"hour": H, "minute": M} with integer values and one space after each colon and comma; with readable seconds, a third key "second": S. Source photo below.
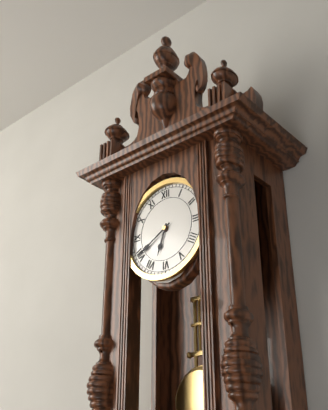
{"hour": 6, "minute": 40}
